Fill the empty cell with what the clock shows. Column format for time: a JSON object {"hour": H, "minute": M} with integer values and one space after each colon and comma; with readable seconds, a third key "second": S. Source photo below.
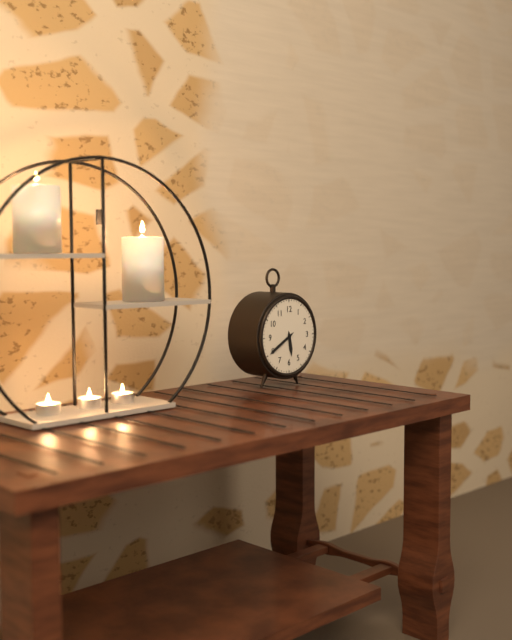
{"hour": 5, "minute": 40}
